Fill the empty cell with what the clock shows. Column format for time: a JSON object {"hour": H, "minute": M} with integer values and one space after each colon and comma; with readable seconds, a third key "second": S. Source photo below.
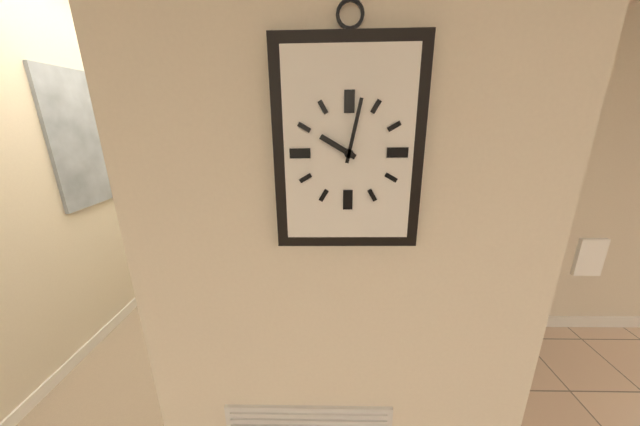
{"hour": 10, "minute": 2}
